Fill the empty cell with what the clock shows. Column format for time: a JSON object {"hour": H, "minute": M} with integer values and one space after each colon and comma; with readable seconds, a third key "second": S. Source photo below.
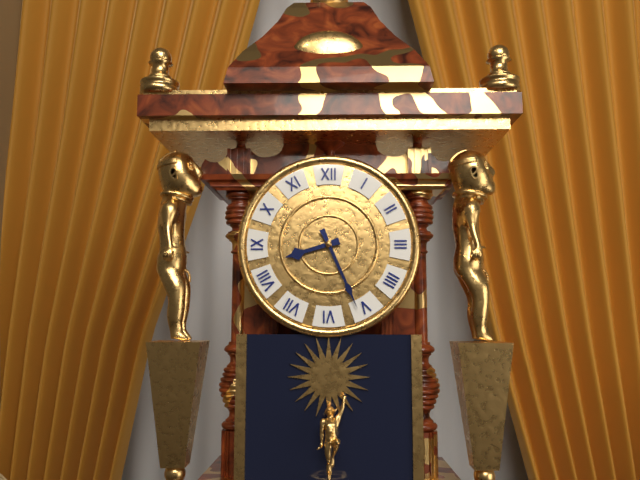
{"hour": 8, "minute": 26}
